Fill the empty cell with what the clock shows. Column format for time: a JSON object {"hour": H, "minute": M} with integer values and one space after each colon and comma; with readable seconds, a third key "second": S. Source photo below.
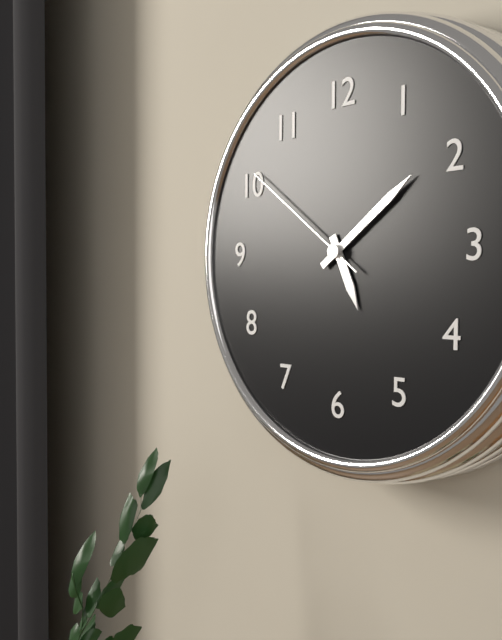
{"hour": 5, "minute": 9, "second": 51}
